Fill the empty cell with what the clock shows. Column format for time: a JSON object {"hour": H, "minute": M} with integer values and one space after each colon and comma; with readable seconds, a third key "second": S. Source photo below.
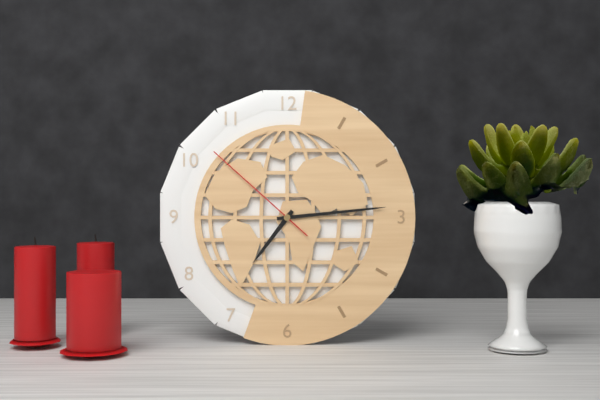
{"hour": 7, "minute": 14, "second": 52}
